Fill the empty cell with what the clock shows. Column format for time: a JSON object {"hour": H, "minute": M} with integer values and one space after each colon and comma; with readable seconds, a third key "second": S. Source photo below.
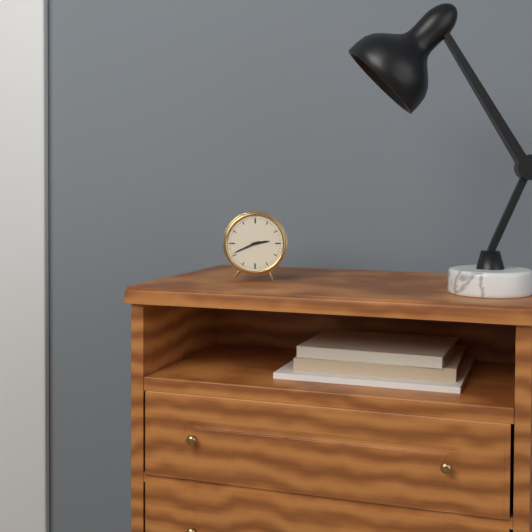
{"hour": 2, "minute": 41}
